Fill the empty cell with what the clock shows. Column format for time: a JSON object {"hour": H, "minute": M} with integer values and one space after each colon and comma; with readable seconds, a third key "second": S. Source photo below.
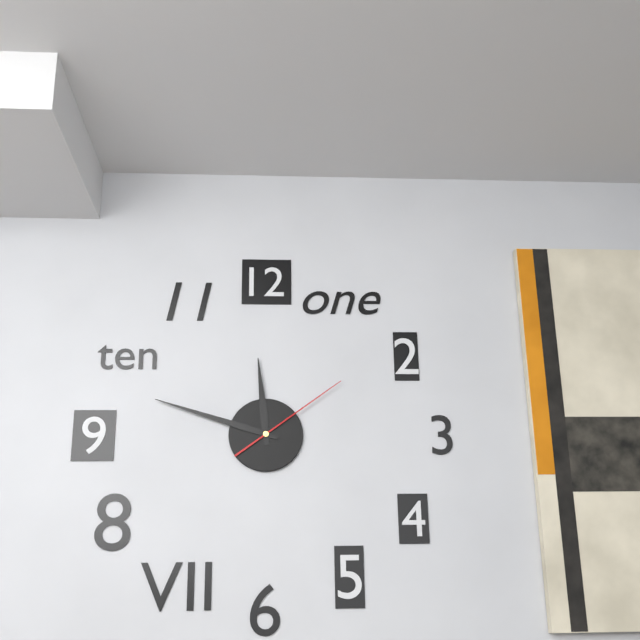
{"hour": 11, "minute": 48, "second": 9}
